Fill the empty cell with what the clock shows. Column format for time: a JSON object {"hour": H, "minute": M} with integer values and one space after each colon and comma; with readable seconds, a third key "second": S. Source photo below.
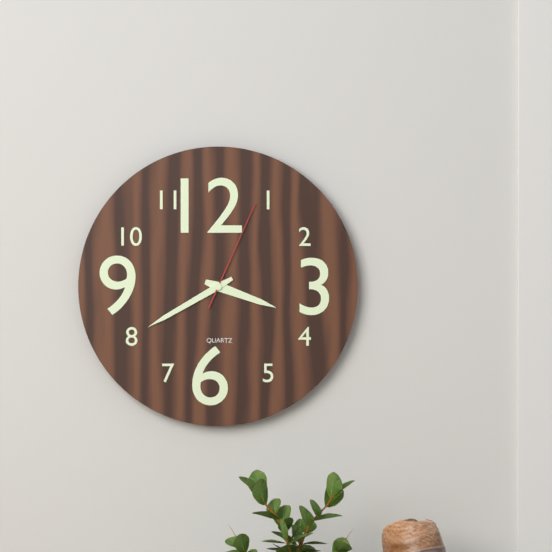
{"hour": 3, "minute": 40, "second": 4}
